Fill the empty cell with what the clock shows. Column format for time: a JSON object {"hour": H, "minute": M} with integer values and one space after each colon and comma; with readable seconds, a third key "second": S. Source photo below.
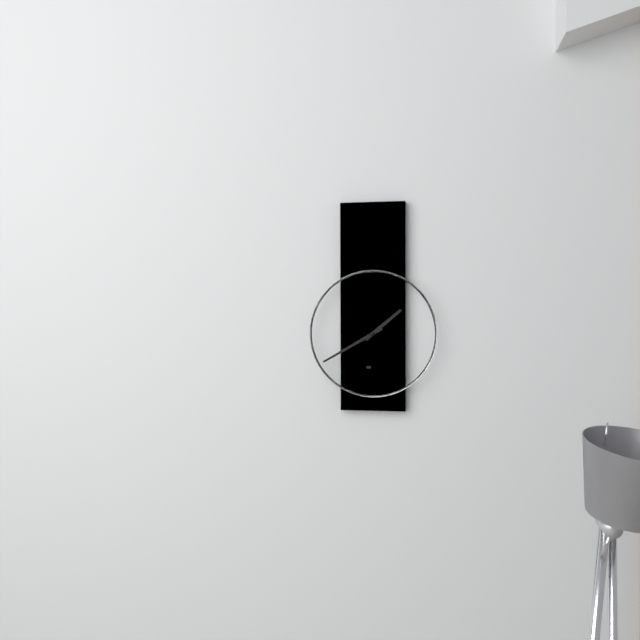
{"hour": 1, "minute": 40}
